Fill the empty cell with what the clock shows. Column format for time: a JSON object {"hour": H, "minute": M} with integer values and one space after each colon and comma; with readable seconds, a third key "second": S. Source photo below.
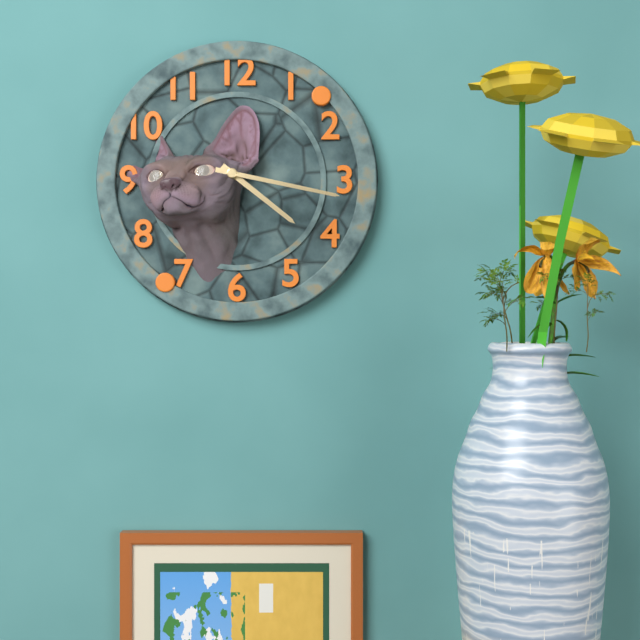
{"hour": 4, "minute": 17}
